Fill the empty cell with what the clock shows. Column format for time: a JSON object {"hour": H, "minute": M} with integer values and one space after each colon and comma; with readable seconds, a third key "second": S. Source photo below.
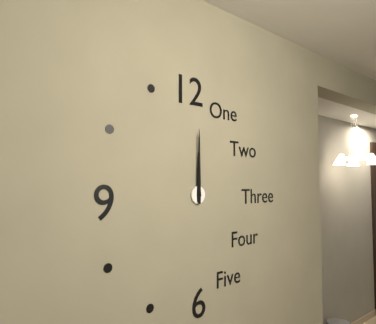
{"hour": 12, "minute": 0}
